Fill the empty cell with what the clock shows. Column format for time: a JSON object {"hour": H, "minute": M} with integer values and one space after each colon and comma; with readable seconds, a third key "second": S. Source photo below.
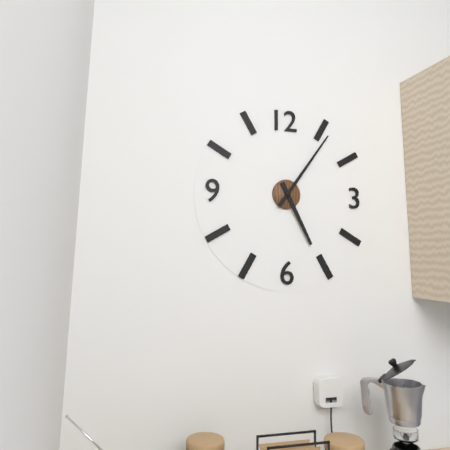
{"hour": 5, "minute": 6}
